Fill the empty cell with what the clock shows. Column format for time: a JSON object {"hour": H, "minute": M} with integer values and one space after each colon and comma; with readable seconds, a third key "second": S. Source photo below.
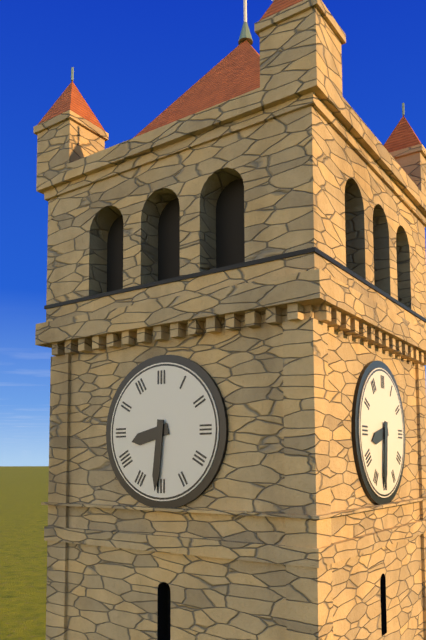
{"hour": 8, "minute": 31}
